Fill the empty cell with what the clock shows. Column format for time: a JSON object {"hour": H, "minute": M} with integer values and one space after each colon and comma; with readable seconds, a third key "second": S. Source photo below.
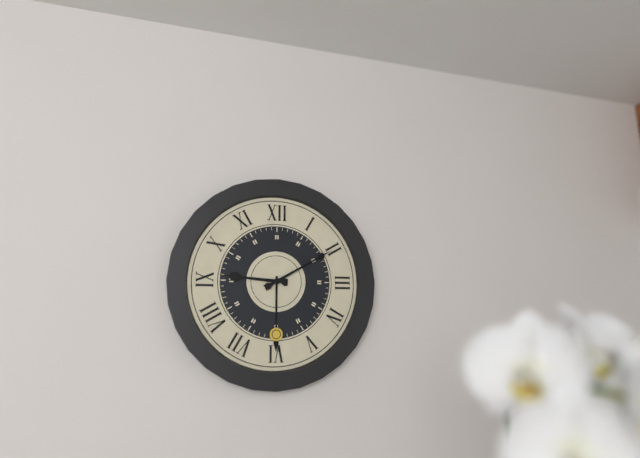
{"hour": 9, "minute": 10}
